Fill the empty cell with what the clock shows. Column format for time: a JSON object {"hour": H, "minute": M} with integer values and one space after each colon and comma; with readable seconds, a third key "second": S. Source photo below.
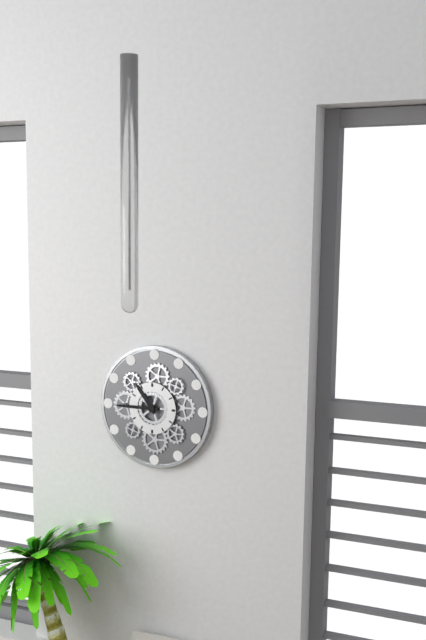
{"hour": 10, "minute": 45}
